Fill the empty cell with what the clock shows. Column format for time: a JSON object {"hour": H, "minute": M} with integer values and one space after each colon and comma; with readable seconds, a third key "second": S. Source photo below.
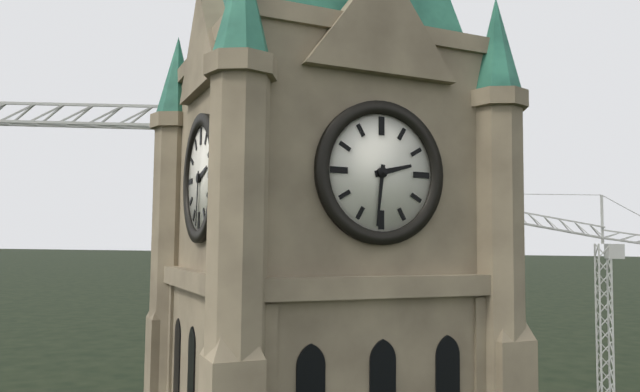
{"hour": 2, "minute": 31}
